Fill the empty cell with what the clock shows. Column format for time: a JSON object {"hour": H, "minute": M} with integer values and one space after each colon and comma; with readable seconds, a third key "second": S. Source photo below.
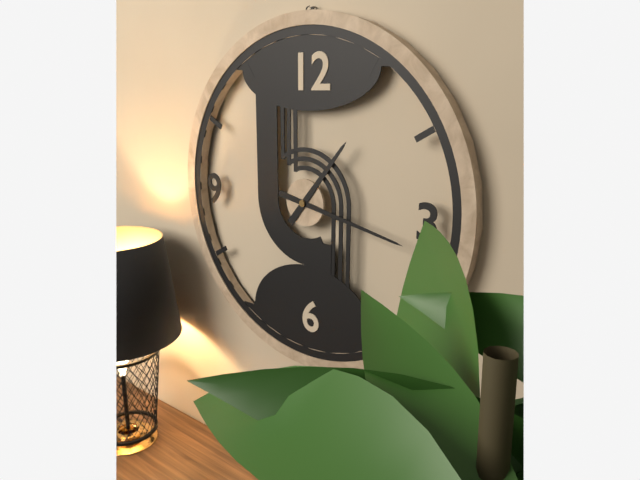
{"hour": 1, "minute": 17}
